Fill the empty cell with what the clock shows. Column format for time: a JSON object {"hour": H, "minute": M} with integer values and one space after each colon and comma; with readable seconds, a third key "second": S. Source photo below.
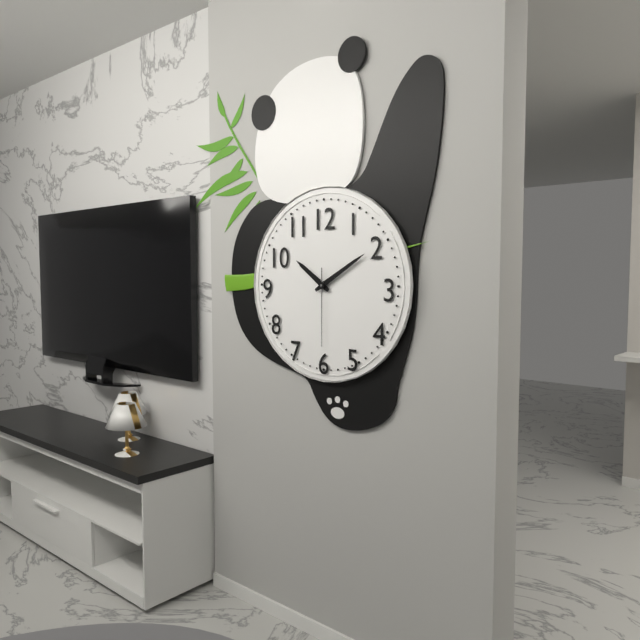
{"hour": 10, "minute": 10, "second": 30}
